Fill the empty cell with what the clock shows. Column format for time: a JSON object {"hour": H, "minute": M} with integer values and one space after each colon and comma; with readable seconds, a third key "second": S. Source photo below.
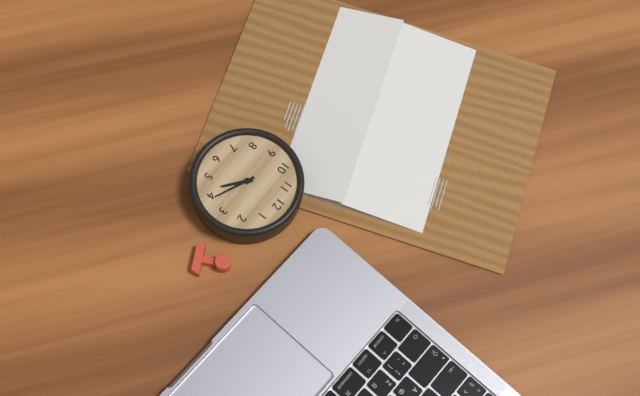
{"hour": 4, "minute": 19}
